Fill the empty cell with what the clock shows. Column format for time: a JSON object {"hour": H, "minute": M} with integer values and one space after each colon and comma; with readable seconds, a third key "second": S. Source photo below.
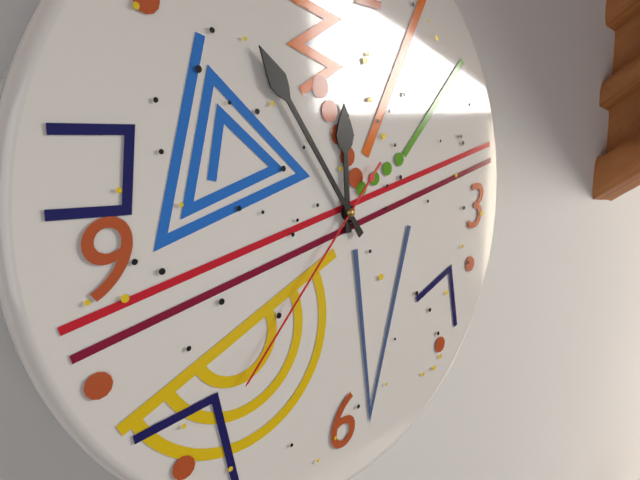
{"hour": 11, "minute": 54, "second": 37}
